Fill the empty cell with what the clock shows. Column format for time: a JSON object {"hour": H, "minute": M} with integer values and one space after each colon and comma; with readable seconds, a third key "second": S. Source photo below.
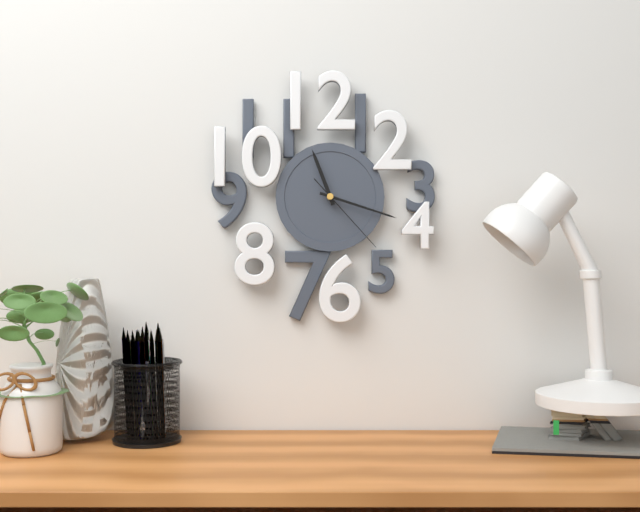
{"hour": 11, "minute": 18, "second": 23}
